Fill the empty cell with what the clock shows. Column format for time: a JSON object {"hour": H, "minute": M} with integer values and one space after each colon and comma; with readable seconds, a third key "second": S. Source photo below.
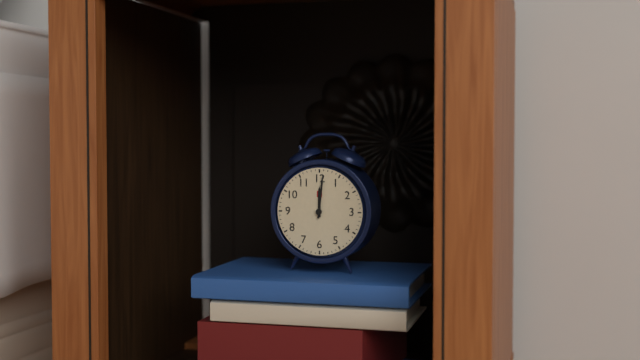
{"hour": 12, "minute": 1}
